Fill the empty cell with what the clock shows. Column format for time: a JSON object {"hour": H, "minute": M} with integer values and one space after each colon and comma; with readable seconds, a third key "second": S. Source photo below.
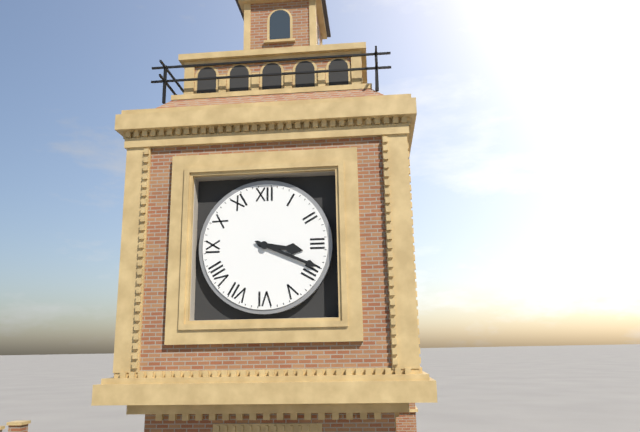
{"hour": 3, "minute": 19}
